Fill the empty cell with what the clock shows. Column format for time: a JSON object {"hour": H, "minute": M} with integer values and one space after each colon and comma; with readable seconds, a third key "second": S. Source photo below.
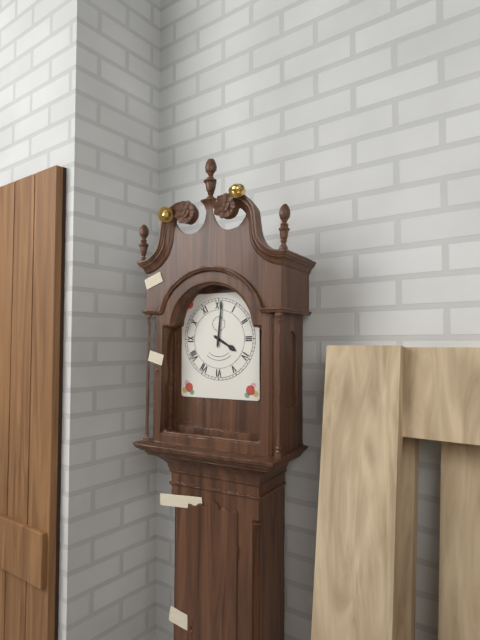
{"hour": 4, "minute": 1}
